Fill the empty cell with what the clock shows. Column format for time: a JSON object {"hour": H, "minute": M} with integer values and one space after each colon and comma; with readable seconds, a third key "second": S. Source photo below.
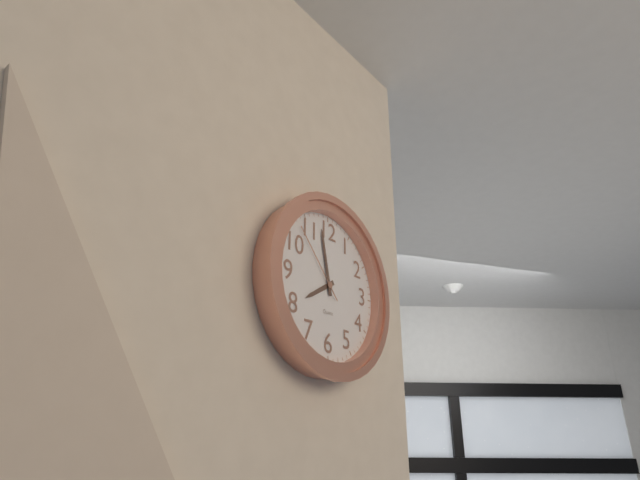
{"hour": 7, "minute": 58, "second": 53}
